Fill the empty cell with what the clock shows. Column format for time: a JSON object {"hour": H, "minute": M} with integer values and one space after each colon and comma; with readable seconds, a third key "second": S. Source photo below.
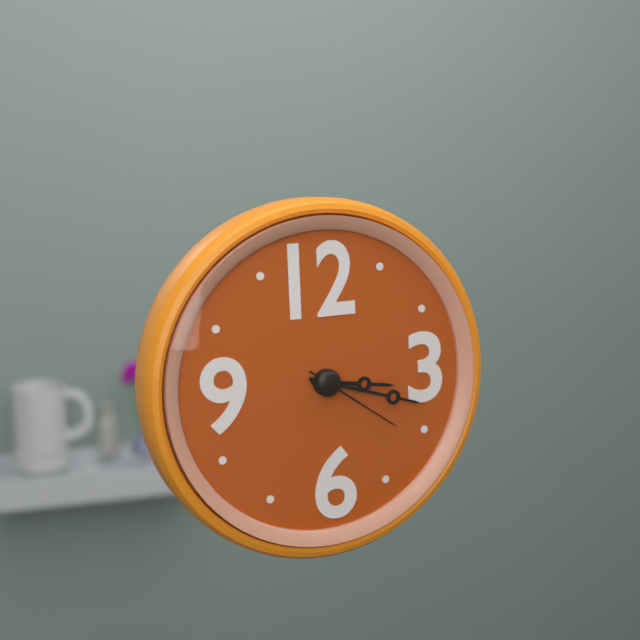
{"hour": 3, "minute": 18, "second": 21}
